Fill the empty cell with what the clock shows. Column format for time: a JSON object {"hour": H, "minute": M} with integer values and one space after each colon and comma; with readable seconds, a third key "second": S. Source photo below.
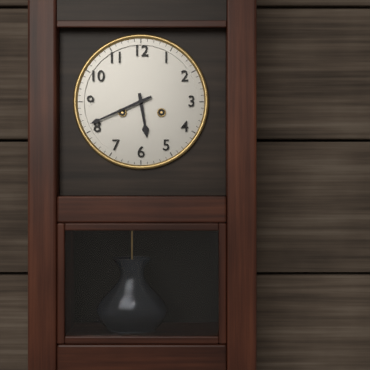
{"hour": 5, "minute": 41}
